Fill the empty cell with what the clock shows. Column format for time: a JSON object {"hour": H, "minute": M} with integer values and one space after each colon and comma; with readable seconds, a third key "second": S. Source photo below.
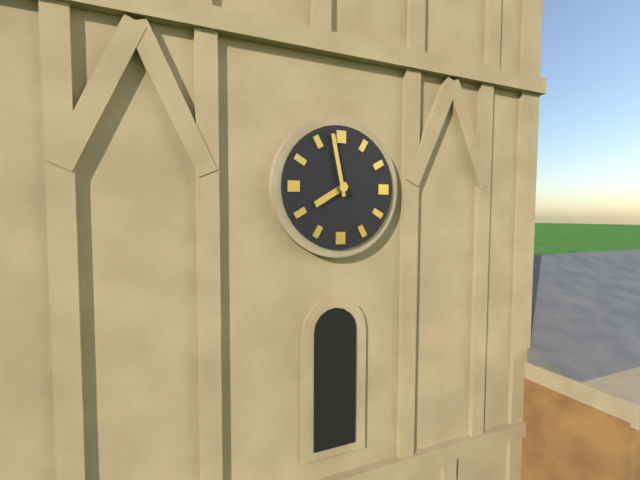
{"hour": 7, "minute": 58}
